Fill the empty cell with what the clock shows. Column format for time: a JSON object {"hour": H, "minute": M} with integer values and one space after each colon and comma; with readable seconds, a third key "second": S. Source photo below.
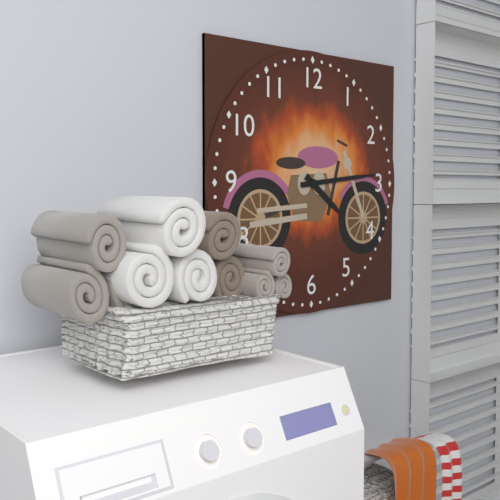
{"hour": 4, "minute": 14}
